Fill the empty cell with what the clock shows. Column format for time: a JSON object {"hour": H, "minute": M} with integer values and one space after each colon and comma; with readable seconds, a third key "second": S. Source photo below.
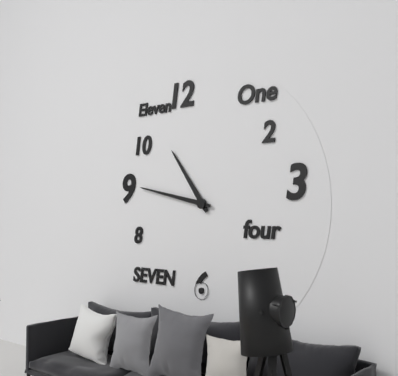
{"hour": 10, "minute": 47}
